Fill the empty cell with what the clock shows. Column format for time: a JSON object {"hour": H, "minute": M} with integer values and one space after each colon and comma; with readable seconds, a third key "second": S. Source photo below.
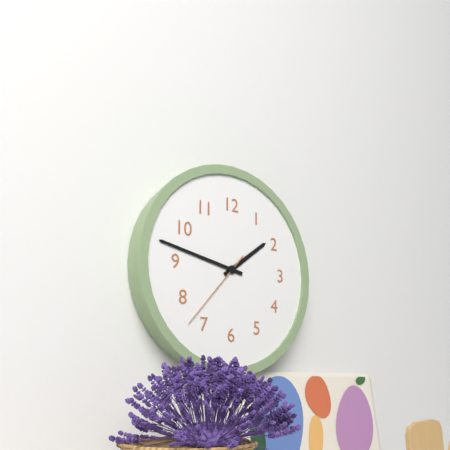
{"hour": 1, "minute": 47, "second": 37}
